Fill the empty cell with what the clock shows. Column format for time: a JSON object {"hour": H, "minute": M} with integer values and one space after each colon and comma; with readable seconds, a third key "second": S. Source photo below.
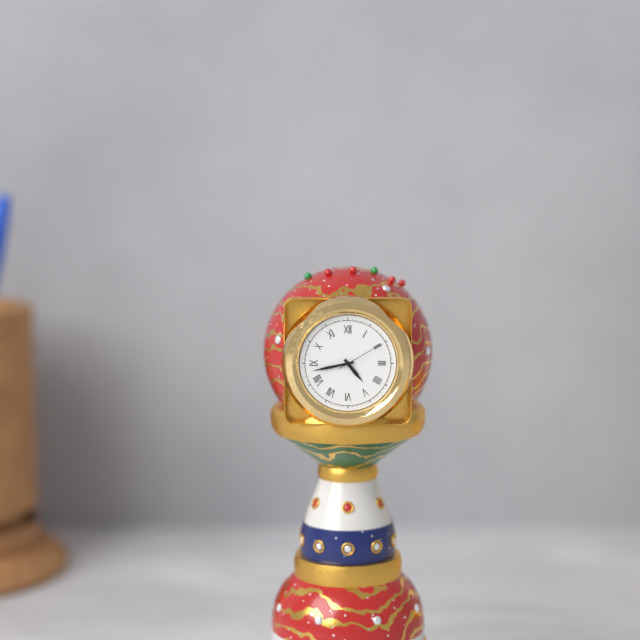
{"hour": 4, "minute": 43}
